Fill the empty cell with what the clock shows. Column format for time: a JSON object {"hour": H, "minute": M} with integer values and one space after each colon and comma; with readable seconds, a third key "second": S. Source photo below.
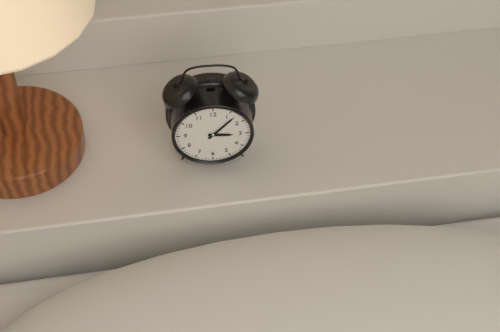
{"hour": 3, "minute": 7}
